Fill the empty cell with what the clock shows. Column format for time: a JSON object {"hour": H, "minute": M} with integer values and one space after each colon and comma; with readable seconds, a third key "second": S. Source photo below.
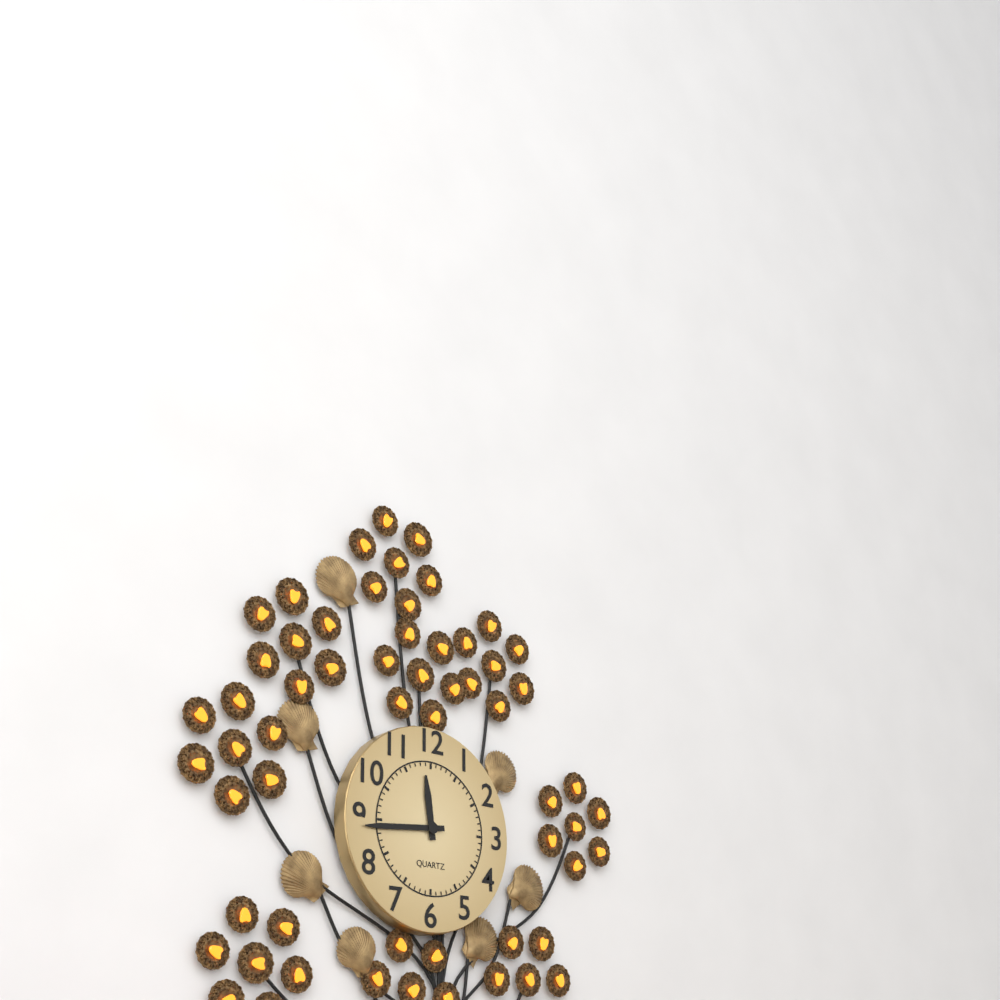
{"hour": 11, "minute": 44}
